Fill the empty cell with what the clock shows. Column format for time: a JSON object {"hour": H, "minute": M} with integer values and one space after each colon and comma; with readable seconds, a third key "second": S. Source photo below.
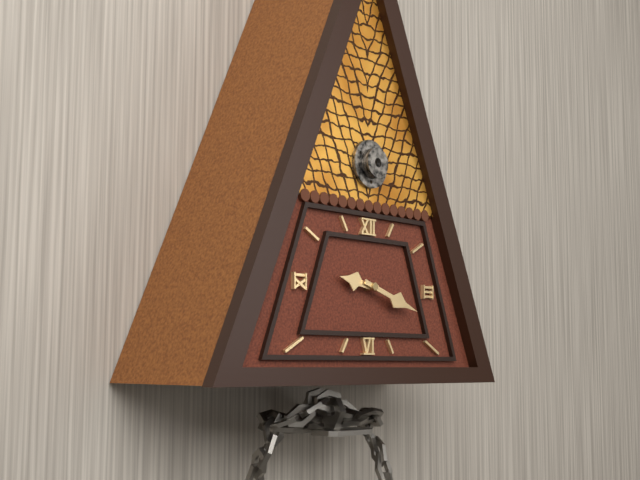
{"hour": 9, "minute": 18}
